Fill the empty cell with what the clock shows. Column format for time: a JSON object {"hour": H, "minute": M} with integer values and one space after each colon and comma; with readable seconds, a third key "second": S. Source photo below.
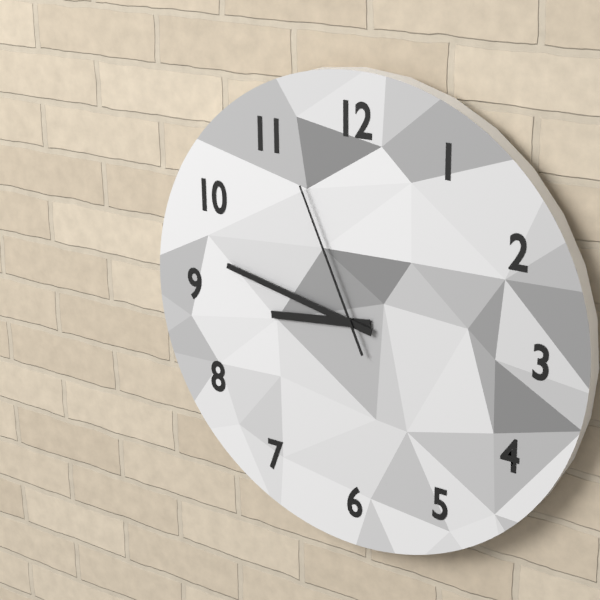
{"hour": 8, "minute": 47, "second": 56}
